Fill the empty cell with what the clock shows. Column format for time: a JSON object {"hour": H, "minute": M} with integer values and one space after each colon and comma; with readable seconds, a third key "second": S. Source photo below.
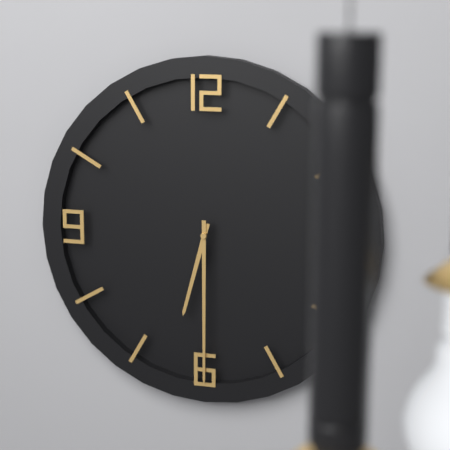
{"hour": 6, "minute": 30}
